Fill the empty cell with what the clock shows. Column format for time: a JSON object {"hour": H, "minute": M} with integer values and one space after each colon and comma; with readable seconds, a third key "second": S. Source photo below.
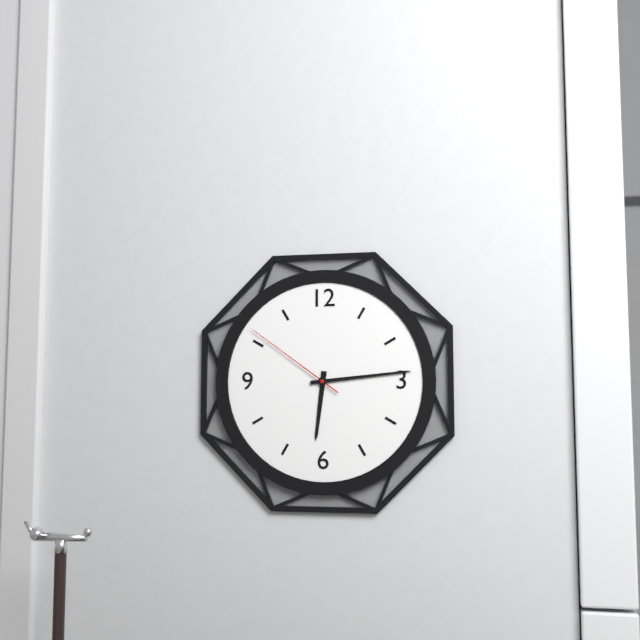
{"hour": 6, "minute": 14, "second": 51}
